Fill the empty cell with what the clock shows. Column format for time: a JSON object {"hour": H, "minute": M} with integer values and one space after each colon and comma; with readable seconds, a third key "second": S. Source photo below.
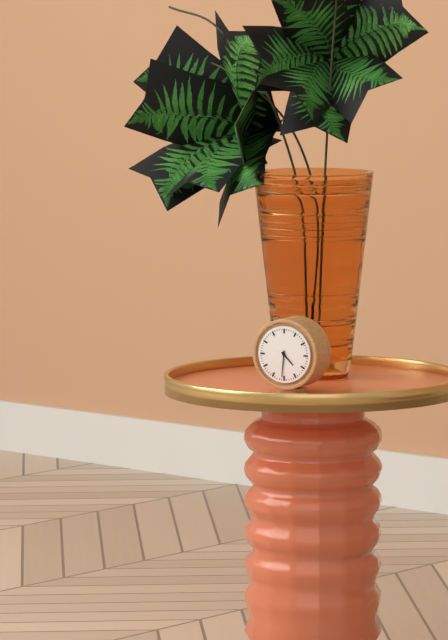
{"hour": 4, "minute": 31}
